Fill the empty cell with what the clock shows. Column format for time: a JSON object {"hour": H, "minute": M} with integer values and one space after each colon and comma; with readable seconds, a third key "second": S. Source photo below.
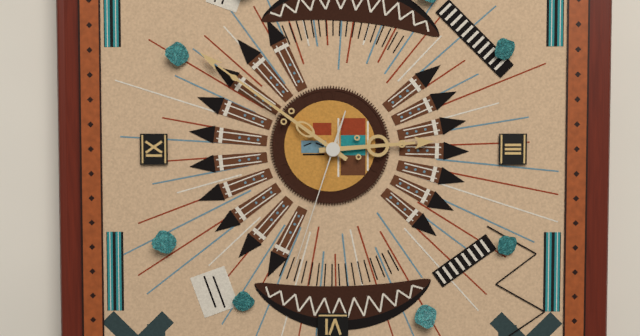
{"hour": 2, "minute": 51, "second": 33}
